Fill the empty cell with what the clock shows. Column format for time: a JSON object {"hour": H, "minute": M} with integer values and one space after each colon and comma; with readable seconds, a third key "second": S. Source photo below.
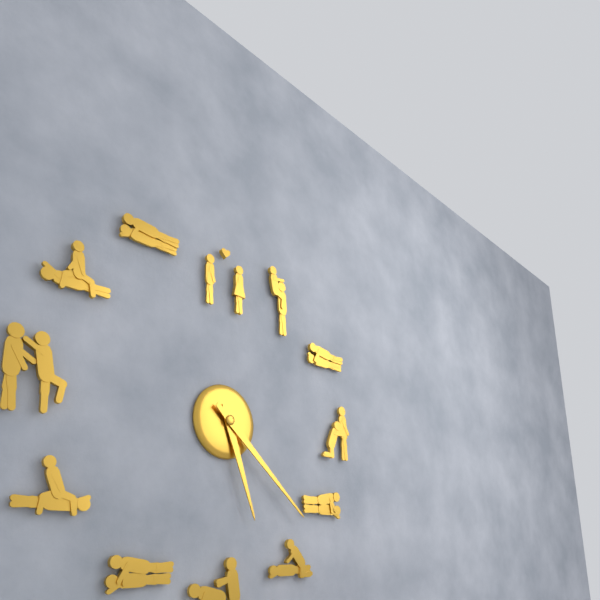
{"hour": 5, "minute": 22}
